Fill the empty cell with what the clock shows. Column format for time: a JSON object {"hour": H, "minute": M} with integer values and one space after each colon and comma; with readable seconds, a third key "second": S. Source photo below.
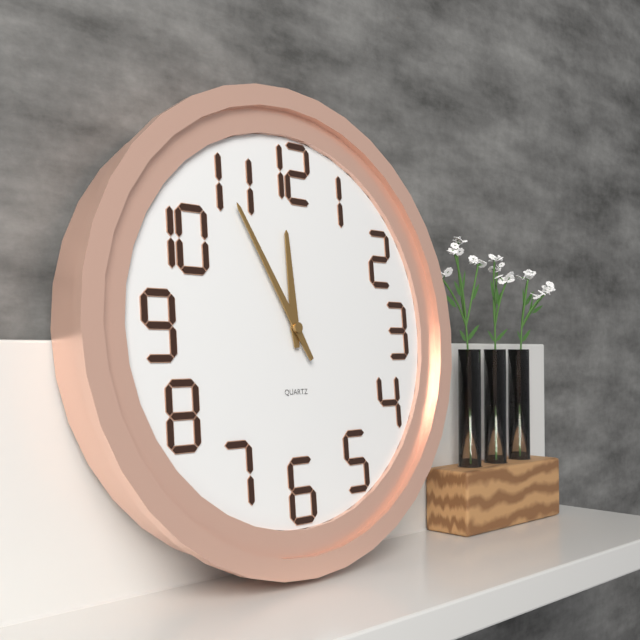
{"hour": 11, "minute": 55}
